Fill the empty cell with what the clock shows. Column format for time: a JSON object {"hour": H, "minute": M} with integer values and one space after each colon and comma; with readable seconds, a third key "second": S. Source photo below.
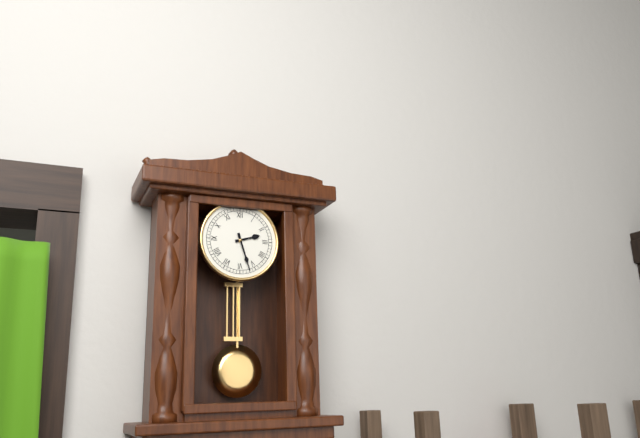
{"hour": 2, "minute": 27}
